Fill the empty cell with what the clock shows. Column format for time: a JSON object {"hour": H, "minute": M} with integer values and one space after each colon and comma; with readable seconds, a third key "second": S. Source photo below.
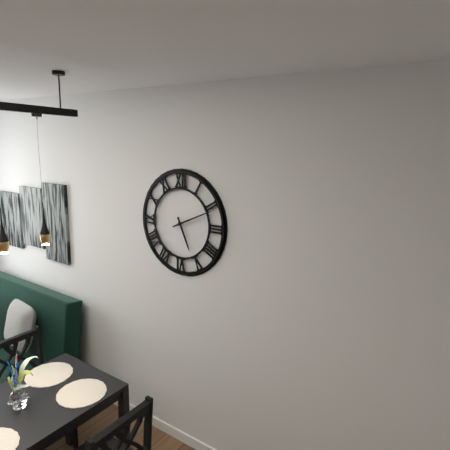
{"hour": 5, "minute": 11}
